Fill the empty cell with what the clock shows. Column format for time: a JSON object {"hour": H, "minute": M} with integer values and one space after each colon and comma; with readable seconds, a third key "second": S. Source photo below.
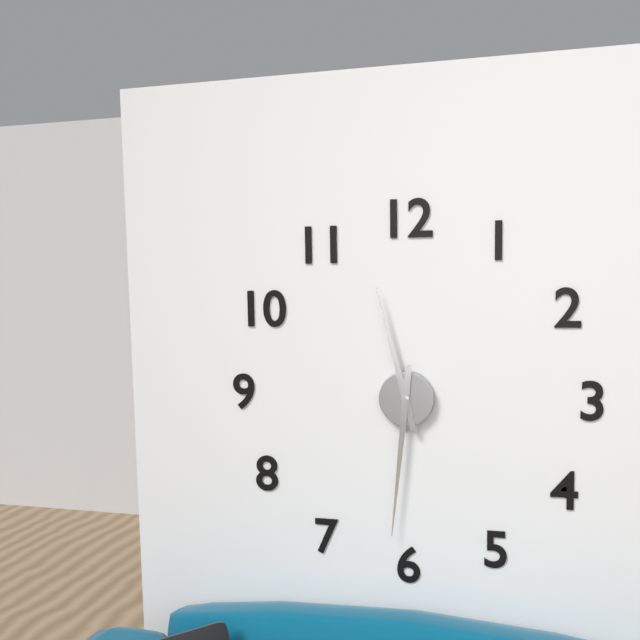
{"hour": 11, "minute": 31}
